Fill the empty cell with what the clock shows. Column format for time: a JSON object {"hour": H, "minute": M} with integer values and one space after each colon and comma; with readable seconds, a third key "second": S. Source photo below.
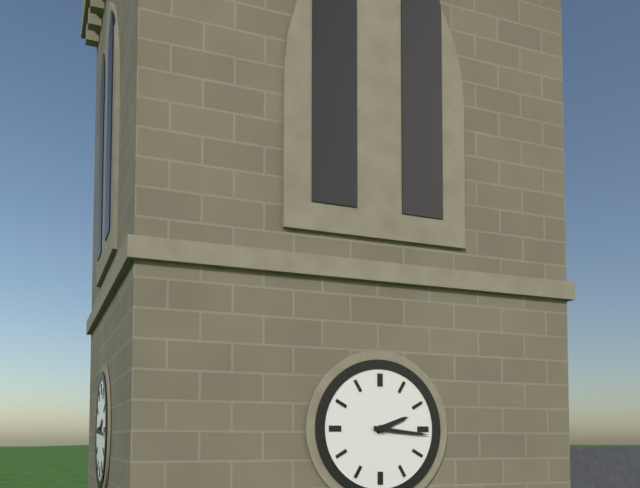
{"hour": 2, "minute": 16}
